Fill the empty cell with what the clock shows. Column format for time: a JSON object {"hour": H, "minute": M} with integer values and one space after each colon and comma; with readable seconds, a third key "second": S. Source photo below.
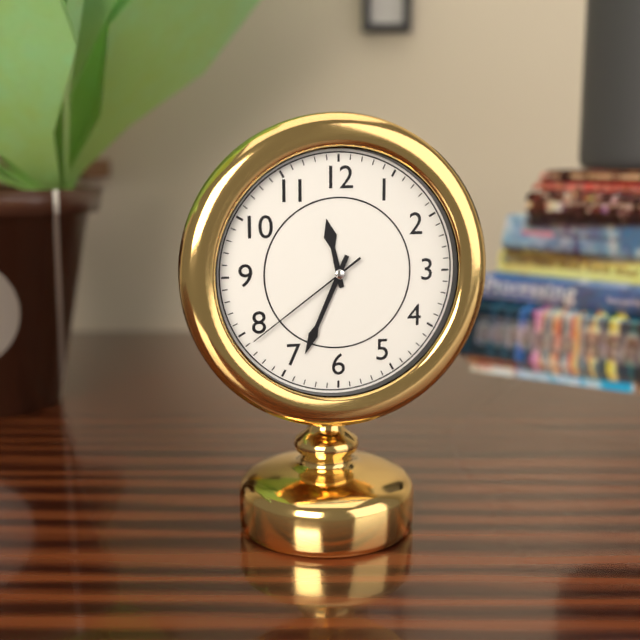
{"hour": 11, "minute": 34, "second": 39}
